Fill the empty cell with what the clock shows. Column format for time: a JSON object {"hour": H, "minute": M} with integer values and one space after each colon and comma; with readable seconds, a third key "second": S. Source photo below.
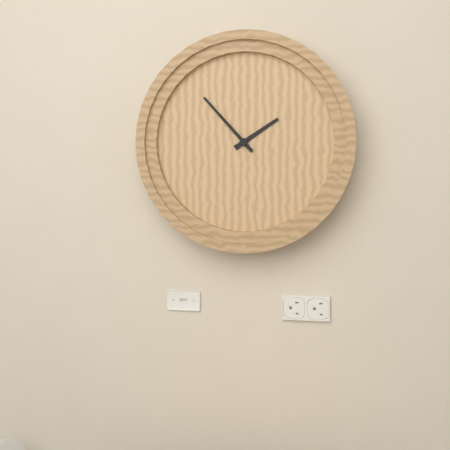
{"hour": 1, "minute": 53}
